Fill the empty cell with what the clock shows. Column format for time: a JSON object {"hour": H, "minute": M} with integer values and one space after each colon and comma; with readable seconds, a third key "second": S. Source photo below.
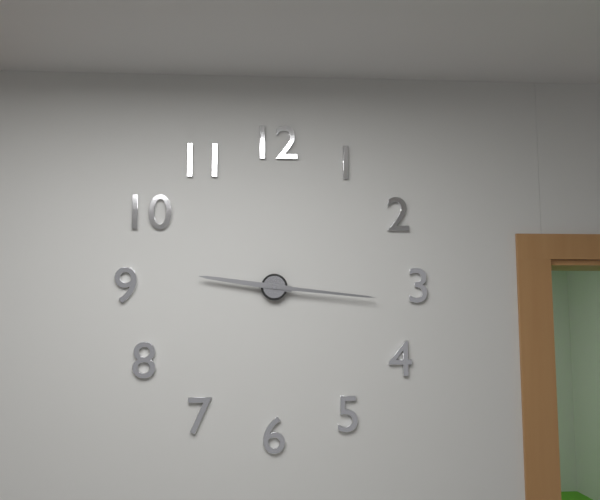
{"hour": 9, "minute": 16}
